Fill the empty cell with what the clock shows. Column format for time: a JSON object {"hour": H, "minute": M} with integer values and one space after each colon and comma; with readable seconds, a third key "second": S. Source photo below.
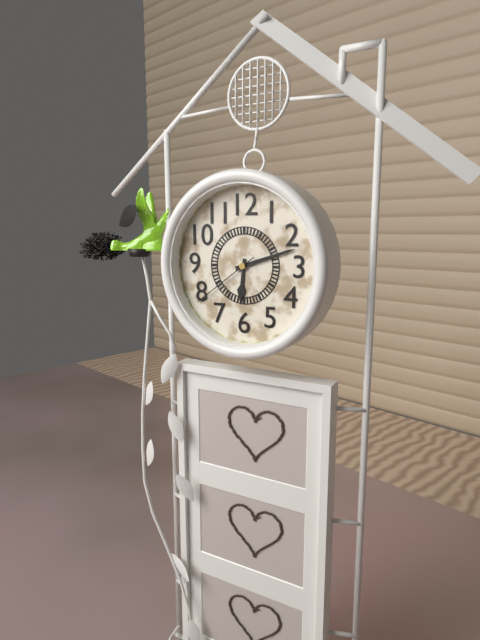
{"hour": 6, "minute": 12, "second": 39}
